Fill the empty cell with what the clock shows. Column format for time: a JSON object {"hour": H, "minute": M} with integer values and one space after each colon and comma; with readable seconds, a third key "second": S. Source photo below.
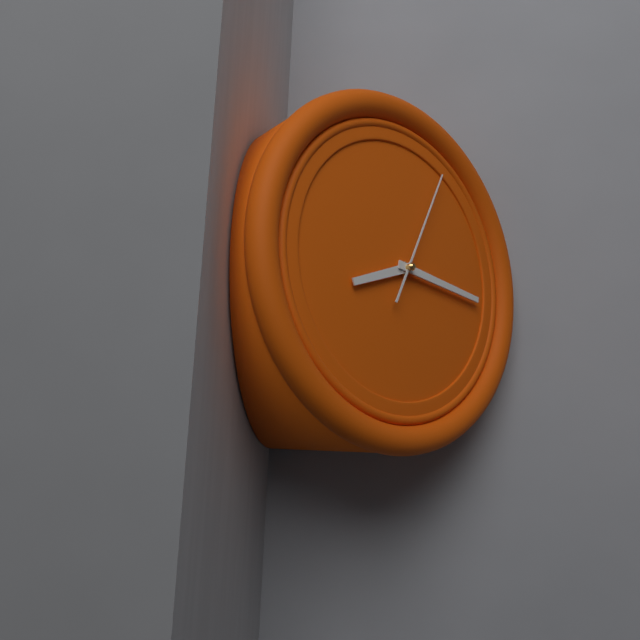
{"hour": 8, "minute": 16, "second": 4}
